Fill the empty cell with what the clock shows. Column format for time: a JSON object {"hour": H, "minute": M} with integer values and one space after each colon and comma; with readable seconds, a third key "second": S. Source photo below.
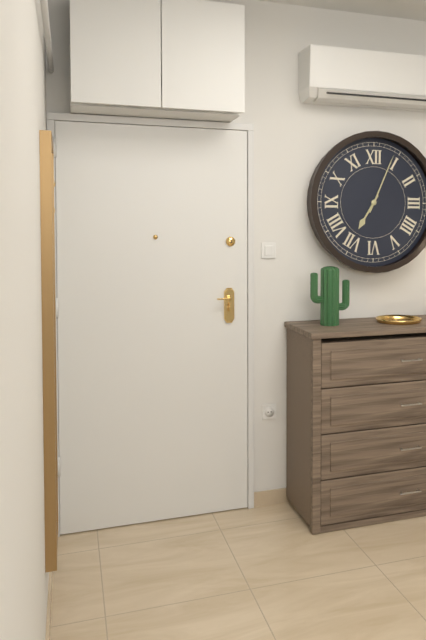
{"hour": 7, "minute": 4}
